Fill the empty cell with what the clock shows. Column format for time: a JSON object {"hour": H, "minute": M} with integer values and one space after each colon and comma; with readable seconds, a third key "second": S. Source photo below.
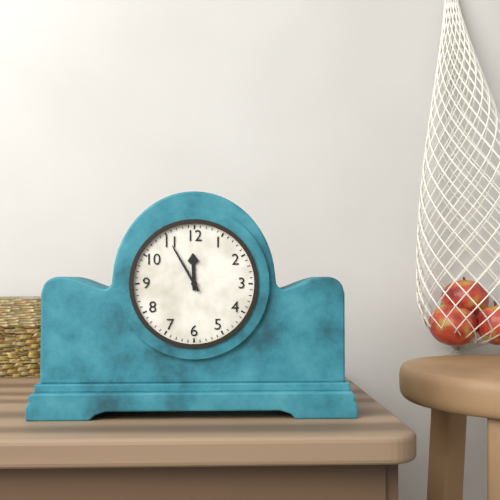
{"hour": 11, "minute": 55}
